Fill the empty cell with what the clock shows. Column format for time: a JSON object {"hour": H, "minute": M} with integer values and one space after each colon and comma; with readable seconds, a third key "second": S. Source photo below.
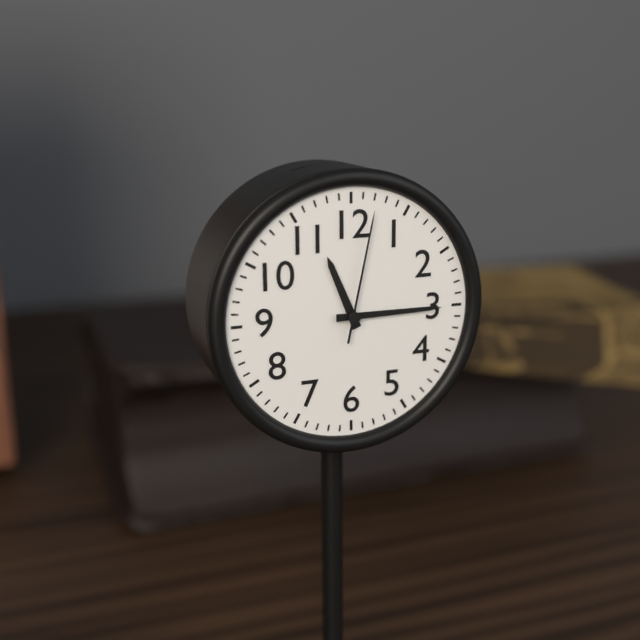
{"hour": 11, "minute": 15, "second": 2}
